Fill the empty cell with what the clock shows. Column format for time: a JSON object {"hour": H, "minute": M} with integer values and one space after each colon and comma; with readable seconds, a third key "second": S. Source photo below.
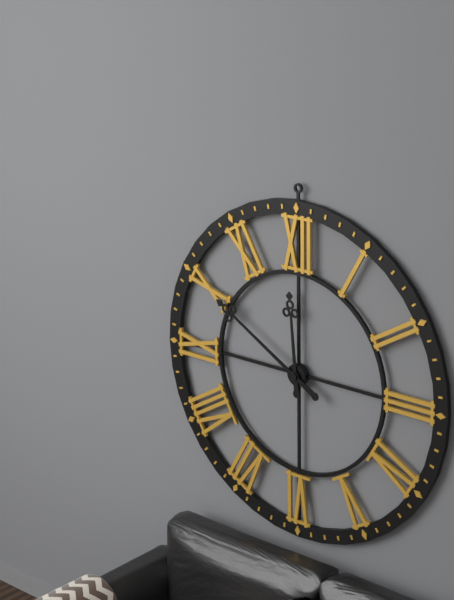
{"hour": 11, "minute": 50}
